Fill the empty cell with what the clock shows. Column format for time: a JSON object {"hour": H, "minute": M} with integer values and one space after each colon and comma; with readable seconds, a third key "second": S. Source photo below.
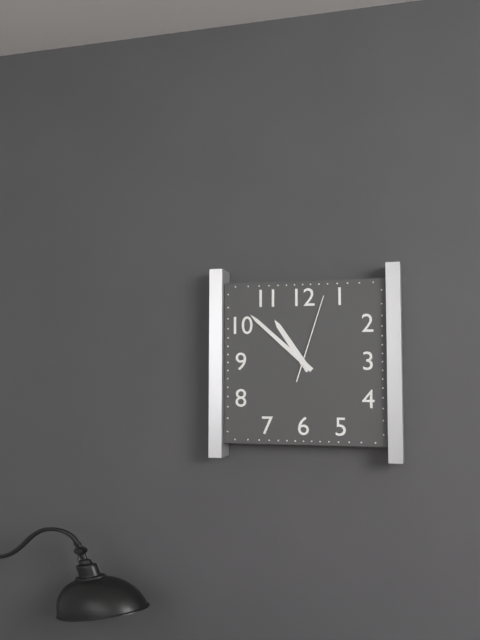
{"hour": 10, "minute": 52, "second": 3}
